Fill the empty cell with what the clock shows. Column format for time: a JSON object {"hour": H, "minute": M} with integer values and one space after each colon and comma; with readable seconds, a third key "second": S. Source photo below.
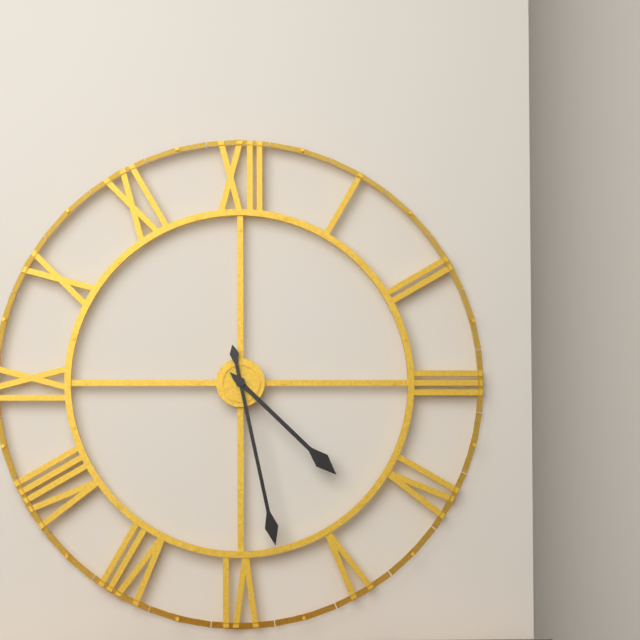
{"hour": 4, "minute": 28}
